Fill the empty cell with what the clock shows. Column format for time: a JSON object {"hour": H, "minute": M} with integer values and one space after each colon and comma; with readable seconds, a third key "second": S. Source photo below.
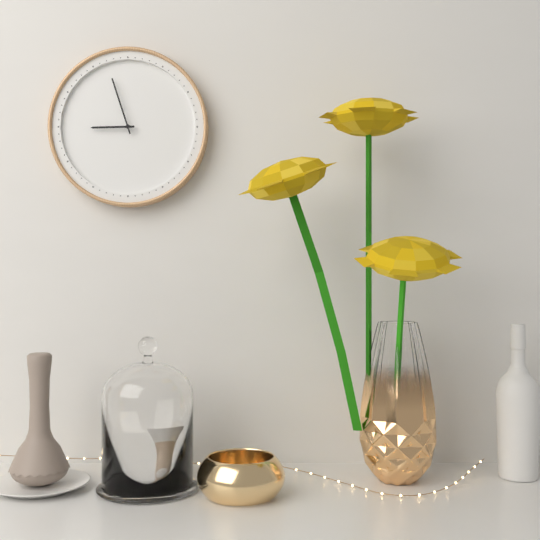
{"hour": 8, "minute": 57}
